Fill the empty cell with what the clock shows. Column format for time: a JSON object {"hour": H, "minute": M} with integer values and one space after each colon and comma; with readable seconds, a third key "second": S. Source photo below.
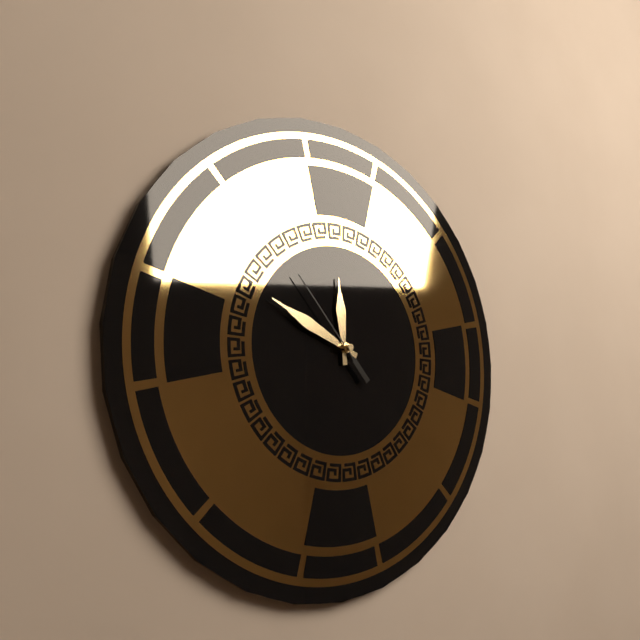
{"hour": 11, "minute": 49, "second": 53}
